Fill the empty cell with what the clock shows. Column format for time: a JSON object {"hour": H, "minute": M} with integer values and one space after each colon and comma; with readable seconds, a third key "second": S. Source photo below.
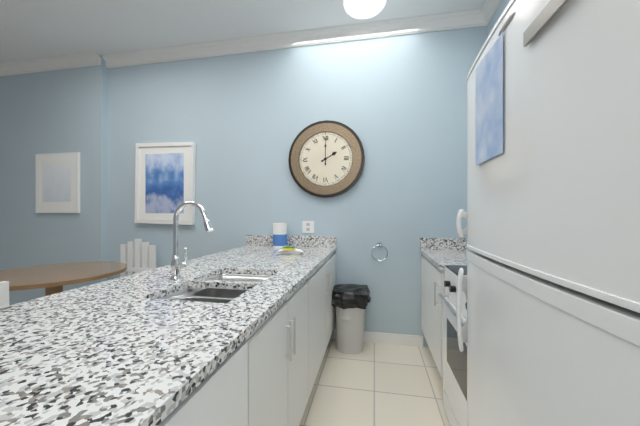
{"hour": 2, "minute": 0}
